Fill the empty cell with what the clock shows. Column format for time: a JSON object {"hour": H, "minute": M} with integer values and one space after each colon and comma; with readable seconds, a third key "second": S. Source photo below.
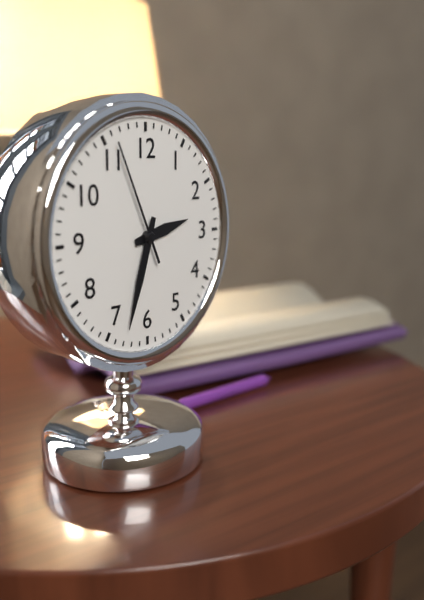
{"hour": 2, "minute": 33, "second": 56}
